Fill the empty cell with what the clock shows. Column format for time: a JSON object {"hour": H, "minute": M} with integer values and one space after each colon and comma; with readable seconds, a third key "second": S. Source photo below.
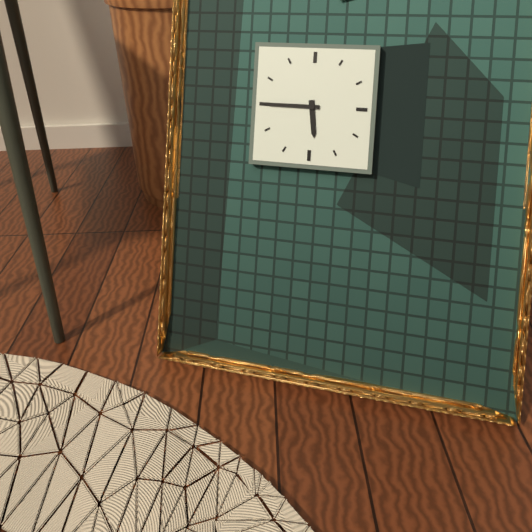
{"hour": 5, "minute": 45}
